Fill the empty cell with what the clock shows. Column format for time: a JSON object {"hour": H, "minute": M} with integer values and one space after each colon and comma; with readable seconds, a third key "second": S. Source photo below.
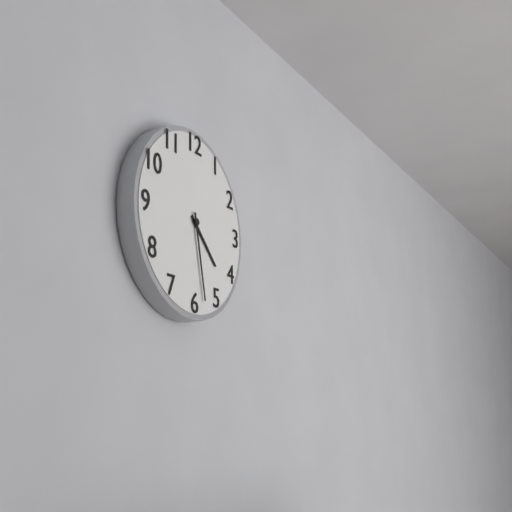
{"hour": 4, "minute": 28}
